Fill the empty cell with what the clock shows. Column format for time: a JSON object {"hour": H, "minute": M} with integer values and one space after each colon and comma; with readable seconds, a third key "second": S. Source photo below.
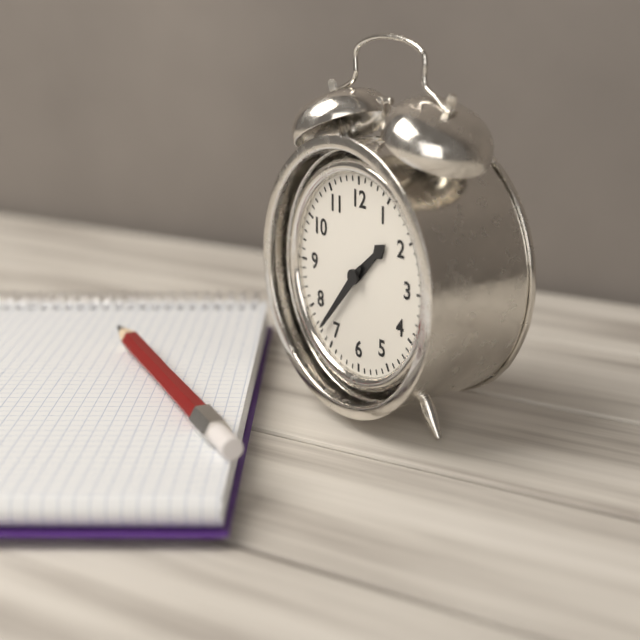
{"hour": 1, "minute": 37}
